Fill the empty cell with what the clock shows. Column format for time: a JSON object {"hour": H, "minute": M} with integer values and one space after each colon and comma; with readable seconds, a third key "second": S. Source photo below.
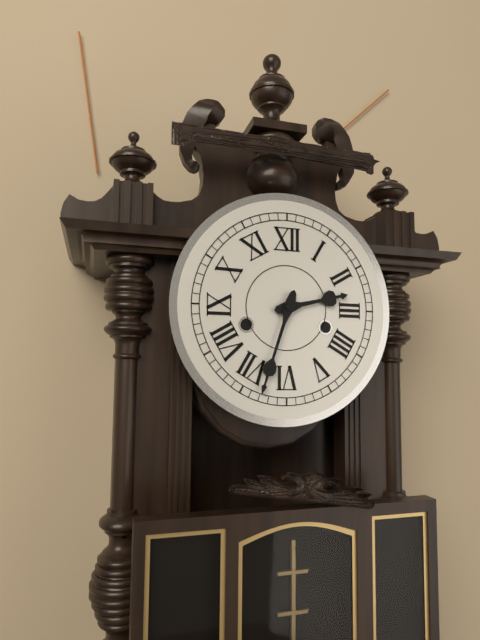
{"hour": 2, "minute": 33}
